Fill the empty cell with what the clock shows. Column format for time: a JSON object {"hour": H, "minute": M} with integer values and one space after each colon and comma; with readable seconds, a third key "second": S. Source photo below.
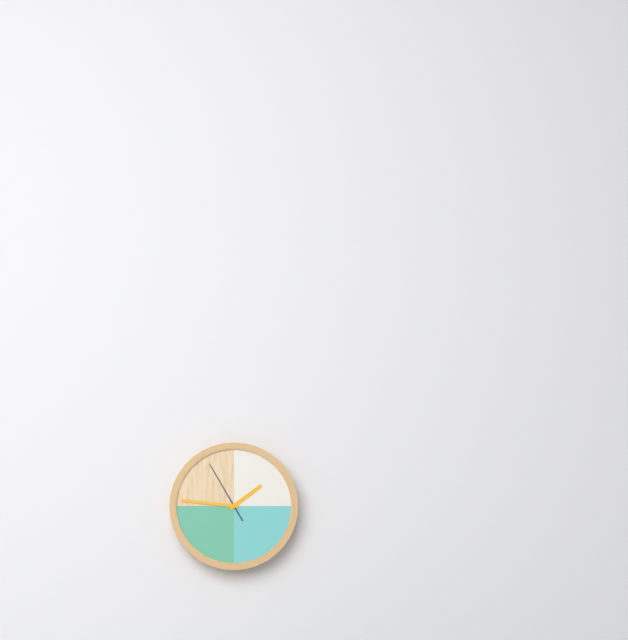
{"hour": 1, "minute": 46, "second": 55}
